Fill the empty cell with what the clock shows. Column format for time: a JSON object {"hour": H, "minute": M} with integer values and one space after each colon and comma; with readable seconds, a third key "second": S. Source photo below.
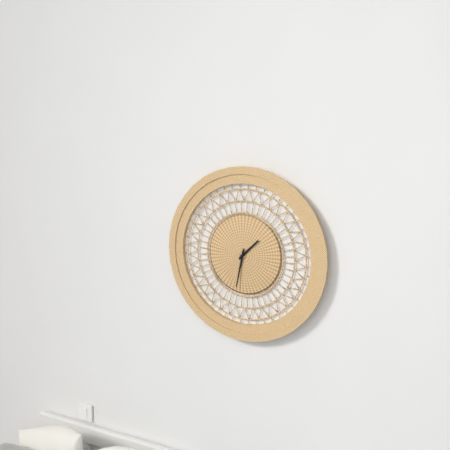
{"hour": 1, "minute": 32}
